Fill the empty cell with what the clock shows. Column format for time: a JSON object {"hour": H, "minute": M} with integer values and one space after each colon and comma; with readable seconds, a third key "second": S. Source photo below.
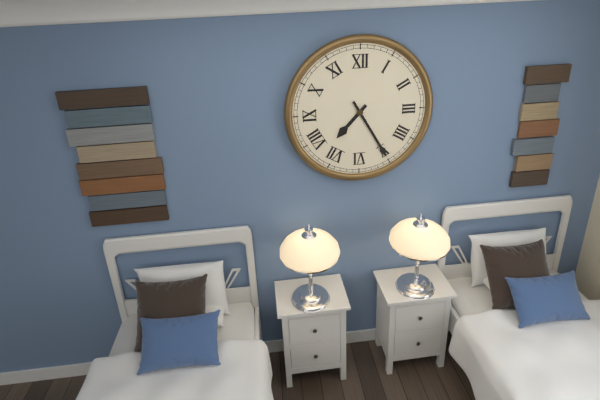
{"hour": 7, "minute": 25}
